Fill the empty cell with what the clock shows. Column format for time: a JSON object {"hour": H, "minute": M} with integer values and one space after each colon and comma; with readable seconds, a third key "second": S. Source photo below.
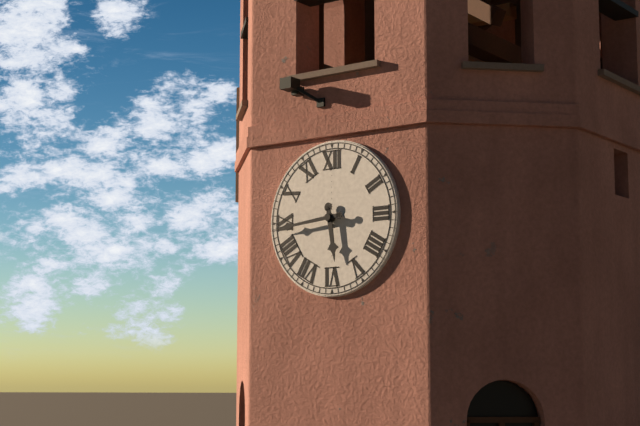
{"hour": 5, "minute": 44}
